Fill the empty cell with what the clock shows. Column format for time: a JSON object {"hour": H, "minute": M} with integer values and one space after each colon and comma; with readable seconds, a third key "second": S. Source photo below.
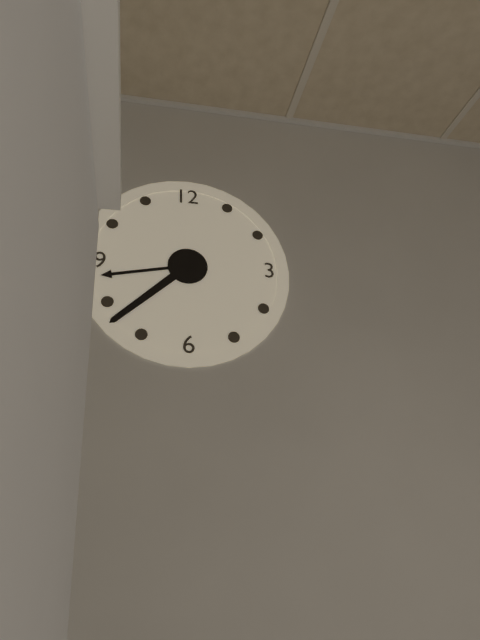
{"hour": 8, "minute": 38}
